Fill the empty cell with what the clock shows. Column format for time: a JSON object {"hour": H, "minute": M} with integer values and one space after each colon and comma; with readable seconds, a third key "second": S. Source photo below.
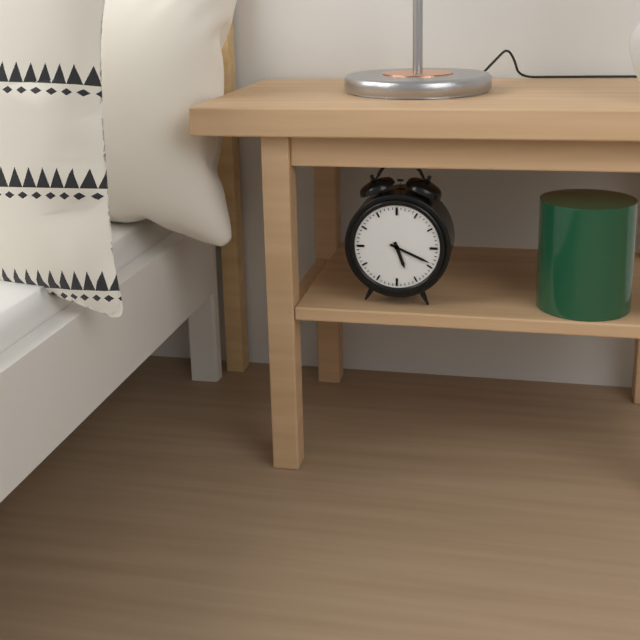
{"hour": 5, "minute": 19}
